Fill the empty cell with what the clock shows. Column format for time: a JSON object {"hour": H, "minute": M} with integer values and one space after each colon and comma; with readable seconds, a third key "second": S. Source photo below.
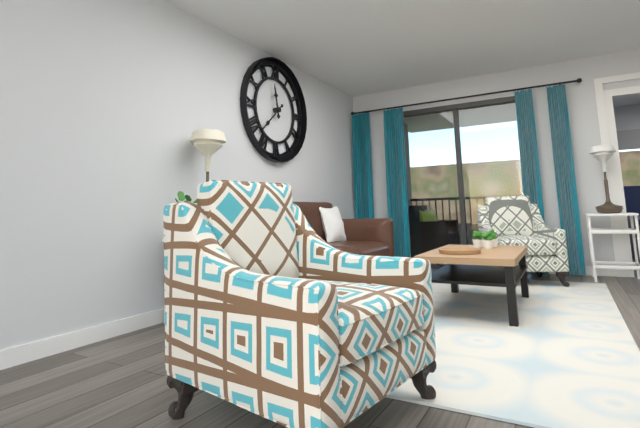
{"hour": 11, "minute": 38}
